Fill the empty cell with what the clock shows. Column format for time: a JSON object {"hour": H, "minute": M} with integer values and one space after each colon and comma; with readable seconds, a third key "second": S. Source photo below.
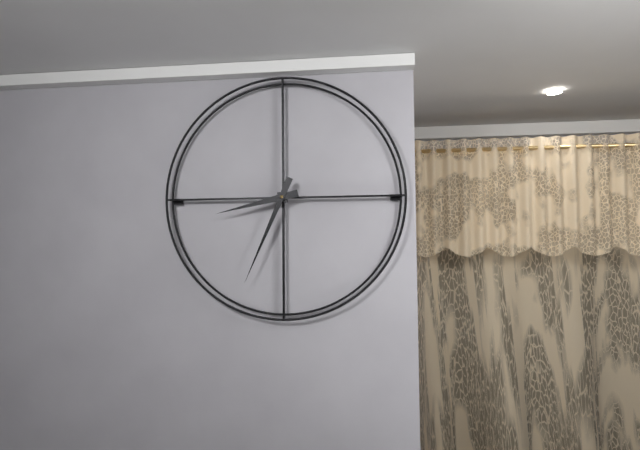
{"hour": 8, "minute": 34}
